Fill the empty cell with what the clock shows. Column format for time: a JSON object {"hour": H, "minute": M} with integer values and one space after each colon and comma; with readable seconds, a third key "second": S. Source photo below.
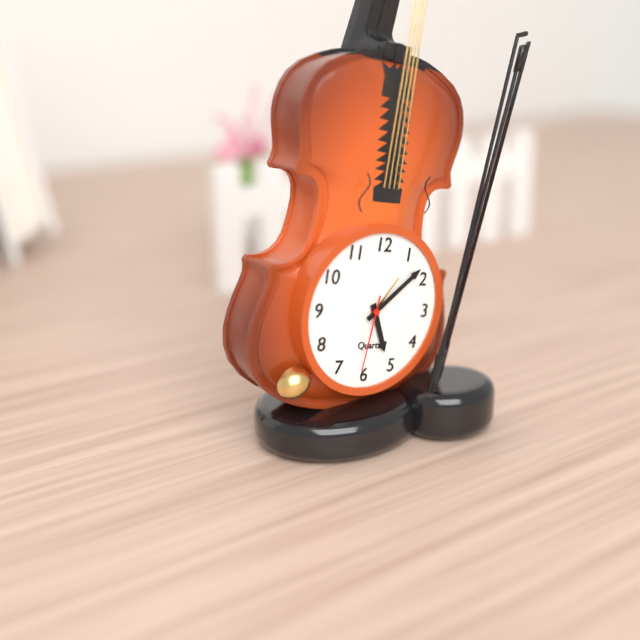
{"hour": 5, "minute": 8, "second": 31}
